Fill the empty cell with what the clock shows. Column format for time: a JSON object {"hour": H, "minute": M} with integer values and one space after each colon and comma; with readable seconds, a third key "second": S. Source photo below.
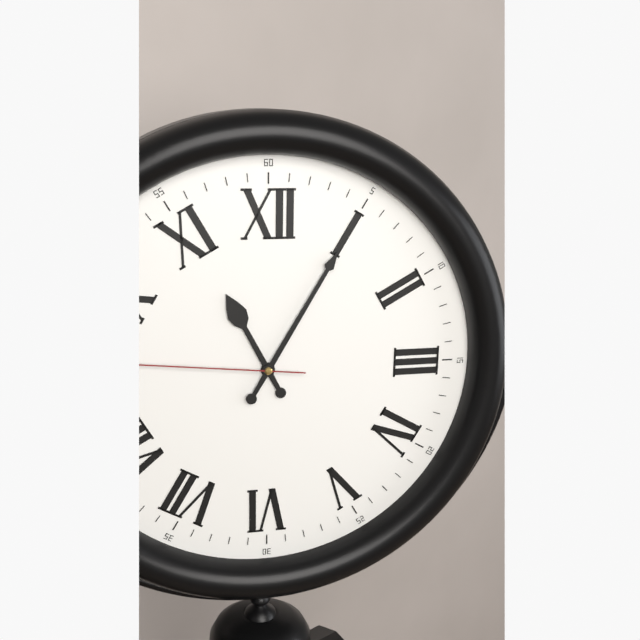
{"hour": 11, "minute": 5, "second": 46}
